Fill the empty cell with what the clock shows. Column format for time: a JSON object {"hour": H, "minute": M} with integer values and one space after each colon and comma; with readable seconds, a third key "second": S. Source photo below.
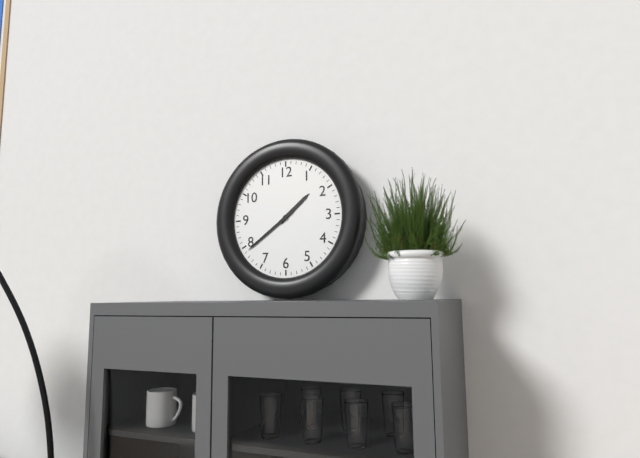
{"hour": 1, "minute": 39}
